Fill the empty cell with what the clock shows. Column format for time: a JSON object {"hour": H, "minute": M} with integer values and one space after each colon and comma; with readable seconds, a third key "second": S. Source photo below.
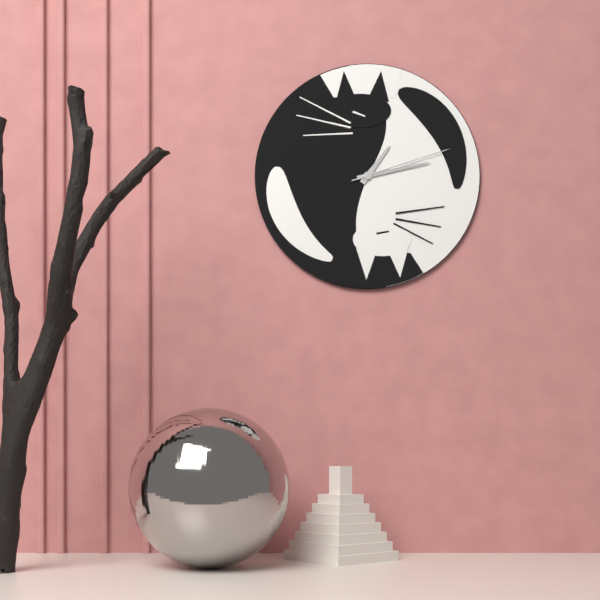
{"hour": 1, "minute": 13, "second": 12}
